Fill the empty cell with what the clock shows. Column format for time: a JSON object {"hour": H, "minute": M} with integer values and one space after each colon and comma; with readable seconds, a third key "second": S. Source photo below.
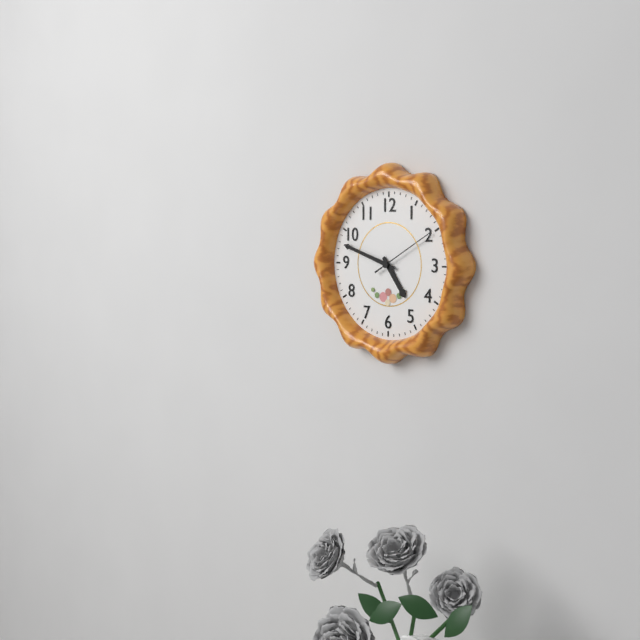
{"hour": 4, "minute": 48, "second": 10}
